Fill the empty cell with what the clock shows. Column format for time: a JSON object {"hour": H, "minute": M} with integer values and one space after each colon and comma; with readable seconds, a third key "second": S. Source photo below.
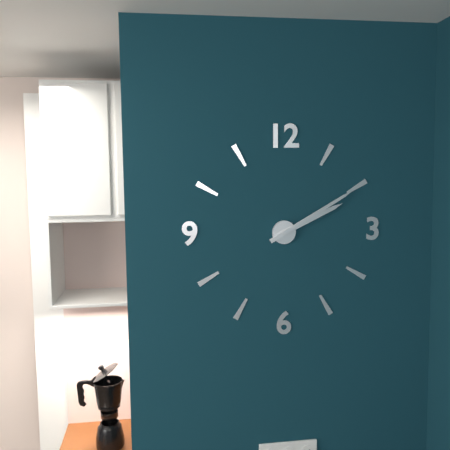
{"hour": 2, "minute": 10}
